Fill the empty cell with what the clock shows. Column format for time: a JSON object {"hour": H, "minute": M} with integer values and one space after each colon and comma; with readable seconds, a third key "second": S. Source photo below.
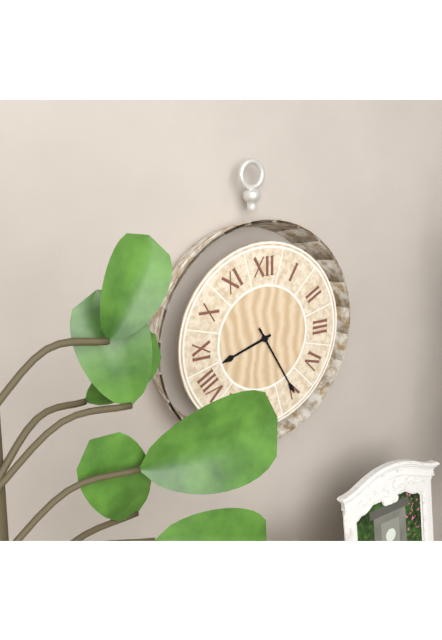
{"hour": 8, "minute": 25}
